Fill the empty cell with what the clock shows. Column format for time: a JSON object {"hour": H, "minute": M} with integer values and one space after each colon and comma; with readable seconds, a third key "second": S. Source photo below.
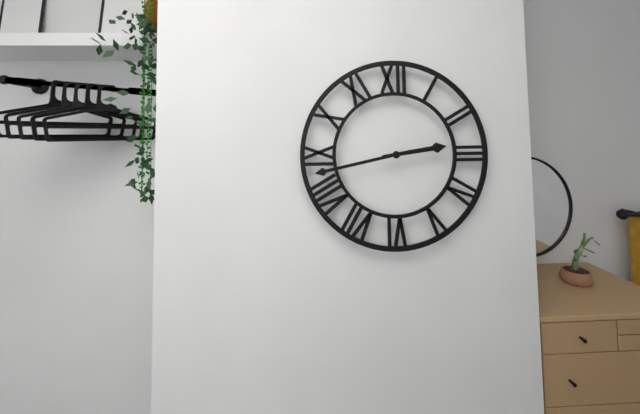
{"hour": 2, "minute": 43}
